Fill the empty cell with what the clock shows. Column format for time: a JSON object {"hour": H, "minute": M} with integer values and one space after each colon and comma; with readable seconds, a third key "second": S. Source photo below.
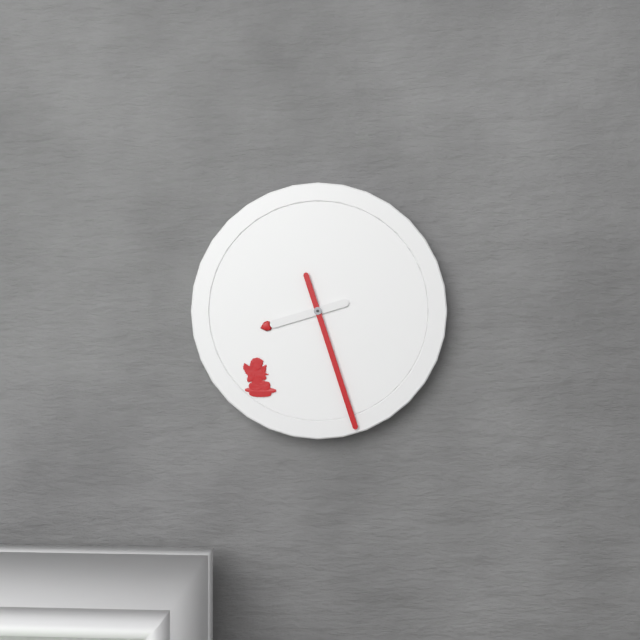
{"hour": 8, "minute": 27}
